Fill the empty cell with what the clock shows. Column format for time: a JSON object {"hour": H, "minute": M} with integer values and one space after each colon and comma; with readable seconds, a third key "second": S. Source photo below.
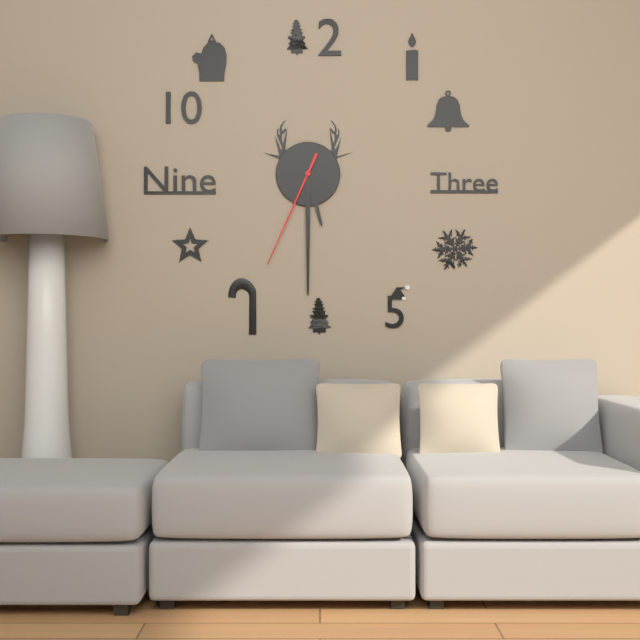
{"hour": 5, "minute": 30, "second": 34}
